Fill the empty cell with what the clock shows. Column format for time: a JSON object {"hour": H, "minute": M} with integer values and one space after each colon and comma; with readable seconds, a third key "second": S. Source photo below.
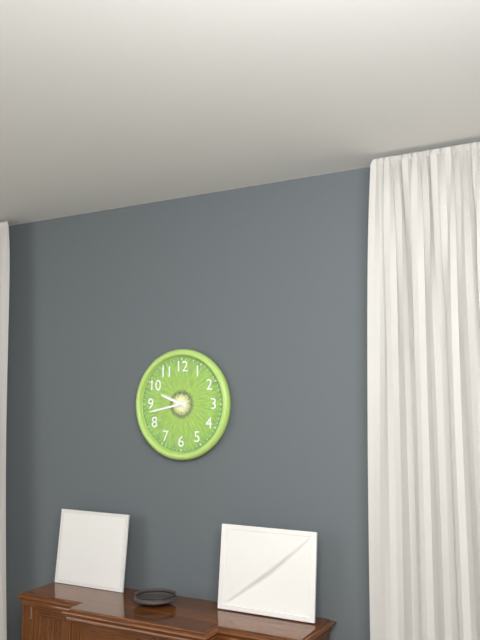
{"hour": 9, "minute": 43}
